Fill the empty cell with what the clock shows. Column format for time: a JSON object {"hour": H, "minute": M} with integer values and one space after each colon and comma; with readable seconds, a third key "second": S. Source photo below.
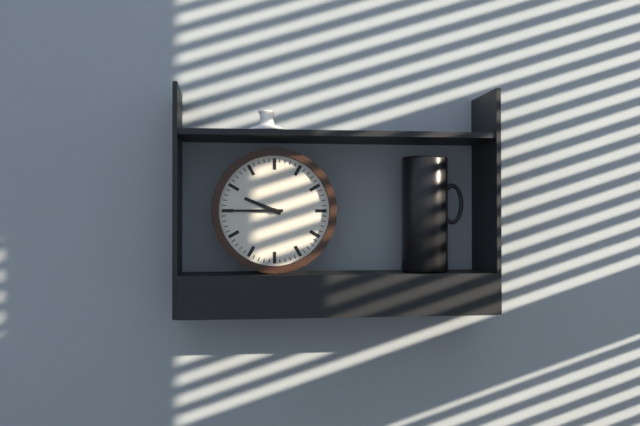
{"hour": 9, "minute": 45}
